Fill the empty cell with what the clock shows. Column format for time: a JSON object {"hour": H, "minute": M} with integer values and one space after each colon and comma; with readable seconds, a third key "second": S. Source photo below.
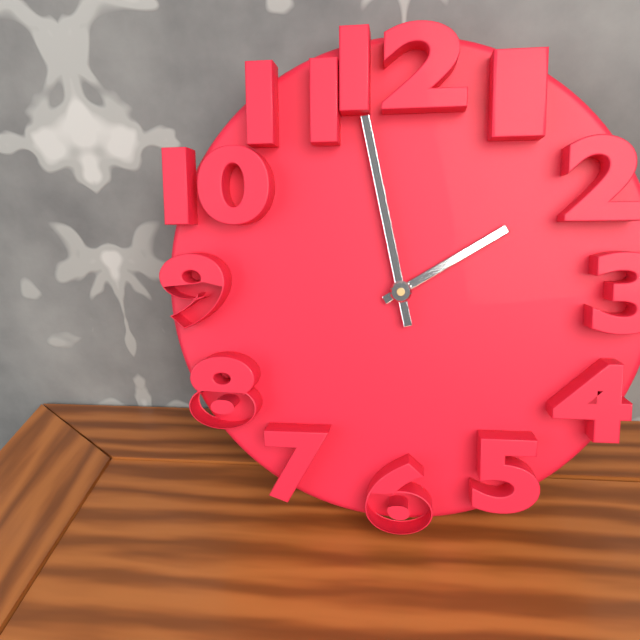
{"hour": 1, "minute": 58}
